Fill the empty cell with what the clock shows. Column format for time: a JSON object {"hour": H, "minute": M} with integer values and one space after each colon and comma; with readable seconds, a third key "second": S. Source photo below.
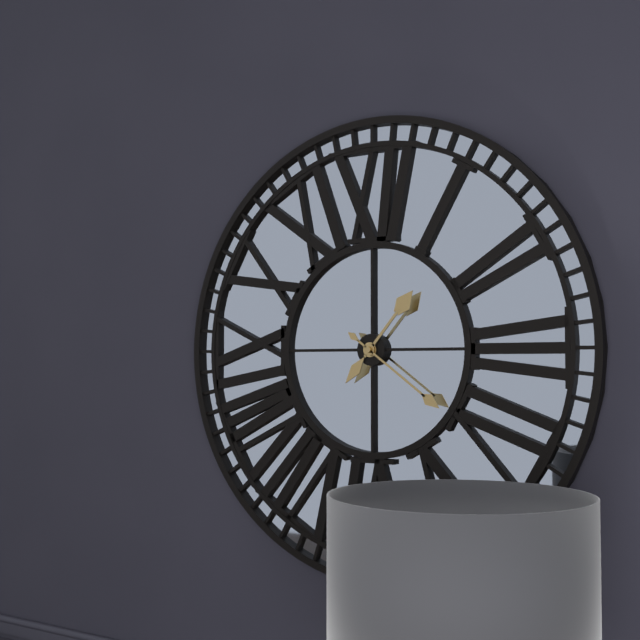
{"hour": 1, "minute": 21}
